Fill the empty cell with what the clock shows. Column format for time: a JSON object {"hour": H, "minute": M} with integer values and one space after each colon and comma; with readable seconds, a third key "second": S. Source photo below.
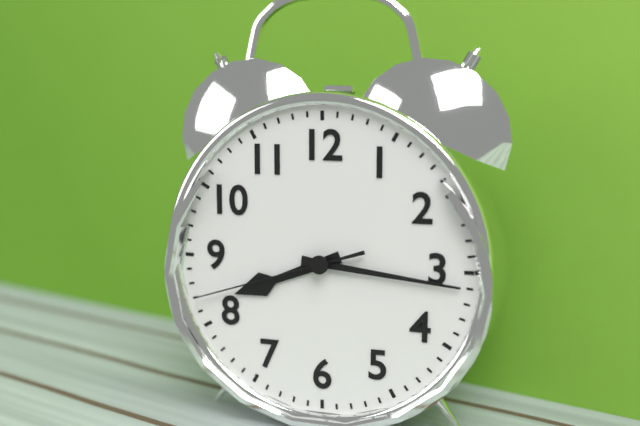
{"hour": 8, "minute": 16, "second": 42}
